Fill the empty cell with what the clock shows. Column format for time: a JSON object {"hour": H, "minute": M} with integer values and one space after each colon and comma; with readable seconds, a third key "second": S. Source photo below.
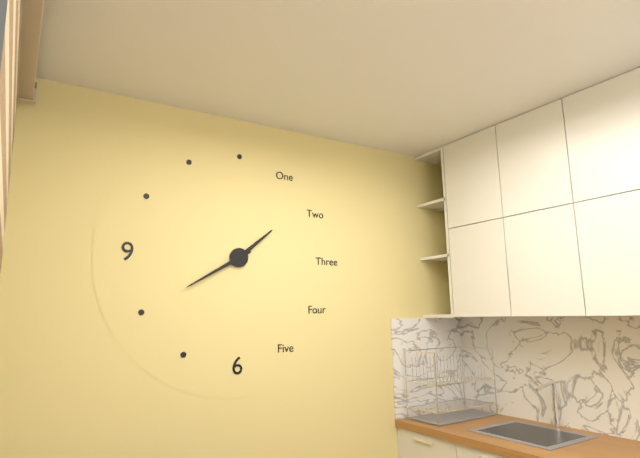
{"hour": 1, "minute": 40}
